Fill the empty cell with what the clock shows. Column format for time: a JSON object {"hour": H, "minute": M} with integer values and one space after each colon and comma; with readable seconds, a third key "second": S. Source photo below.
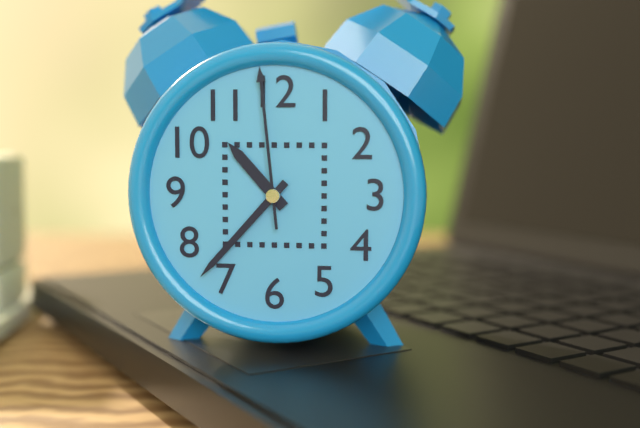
{"hour": 10, "minute": 37, "second": 59}
